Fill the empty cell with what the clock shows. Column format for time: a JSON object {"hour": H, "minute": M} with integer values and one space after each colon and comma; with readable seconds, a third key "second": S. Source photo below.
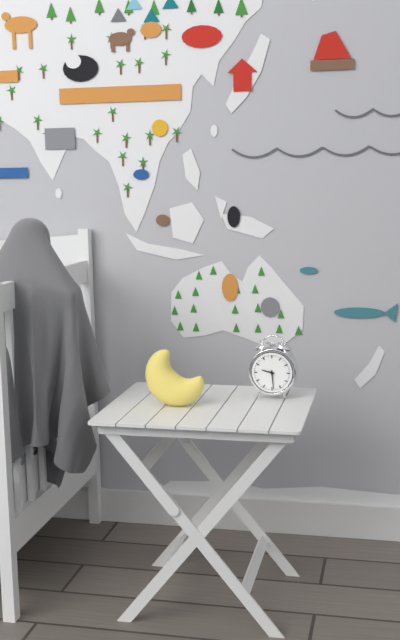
{"hour": 9, "minute": 29}
